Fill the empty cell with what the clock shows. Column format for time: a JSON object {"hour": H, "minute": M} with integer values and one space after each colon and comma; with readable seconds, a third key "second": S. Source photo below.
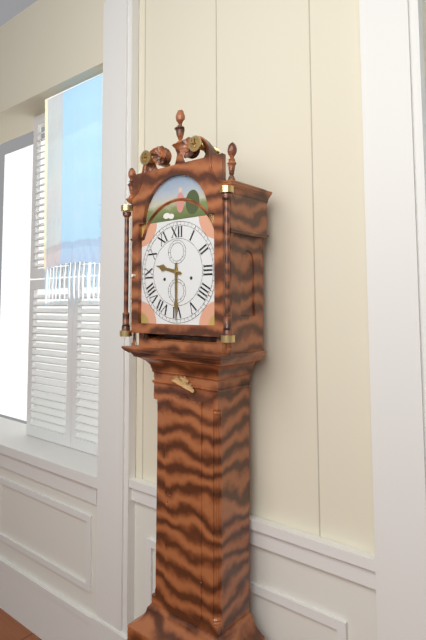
{"hour": 9, "minute": 30}
